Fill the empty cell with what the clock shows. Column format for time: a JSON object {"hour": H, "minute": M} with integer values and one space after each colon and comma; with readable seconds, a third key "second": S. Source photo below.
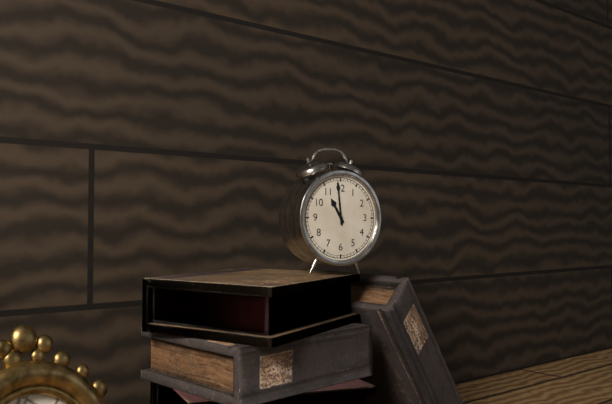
{"hour": 10, "minute": 59}
